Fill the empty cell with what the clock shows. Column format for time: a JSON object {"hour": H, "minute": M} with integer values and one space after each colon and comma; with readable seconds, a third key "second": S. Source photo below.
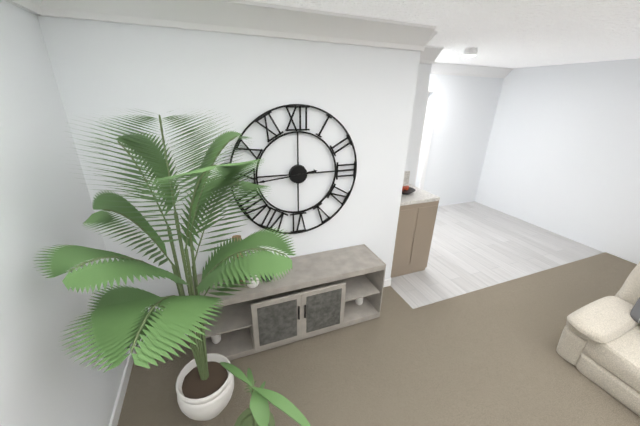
{"hour": 2, "minute": 44}
